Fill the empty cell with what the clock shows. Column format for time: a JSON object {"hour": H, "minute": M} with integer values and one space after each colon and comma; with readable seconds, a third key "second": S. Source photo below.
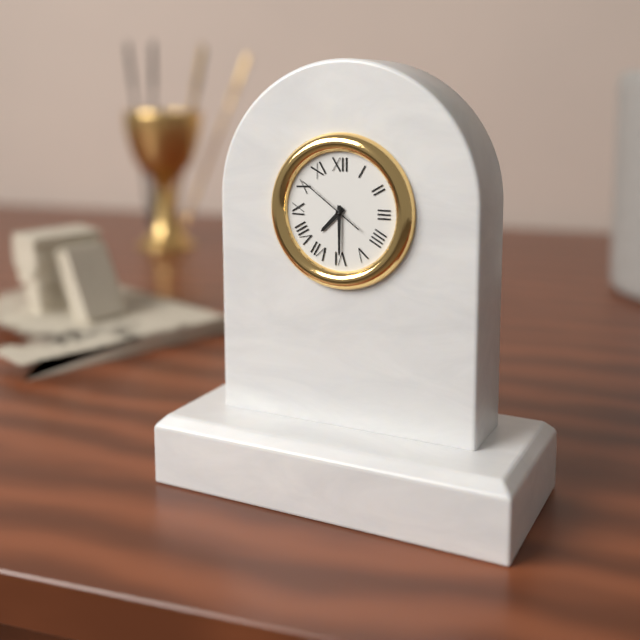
{"hour": 7, "minute": 30, "second": 51}
